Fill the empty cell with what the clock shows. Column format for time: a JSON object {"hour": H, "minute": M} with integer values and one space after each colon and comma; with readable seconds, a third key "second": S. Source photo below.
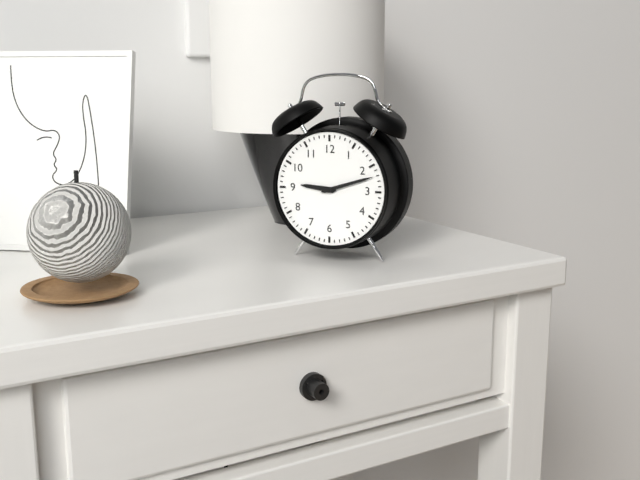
{"hour": 9, "minute": 12}
